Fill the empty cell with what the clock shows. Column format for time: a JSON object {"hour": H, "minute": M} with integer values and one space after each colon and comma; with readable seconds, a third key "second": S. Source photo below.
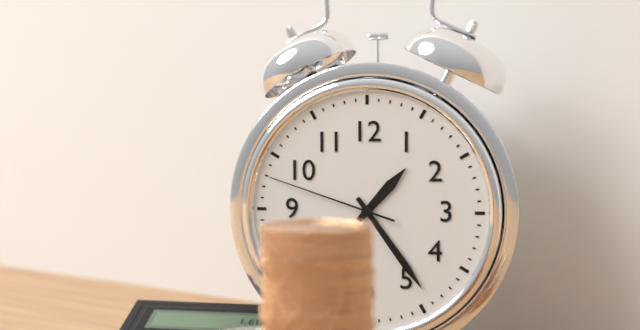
{"hour": 1, "minute": 24, "second": 48}
